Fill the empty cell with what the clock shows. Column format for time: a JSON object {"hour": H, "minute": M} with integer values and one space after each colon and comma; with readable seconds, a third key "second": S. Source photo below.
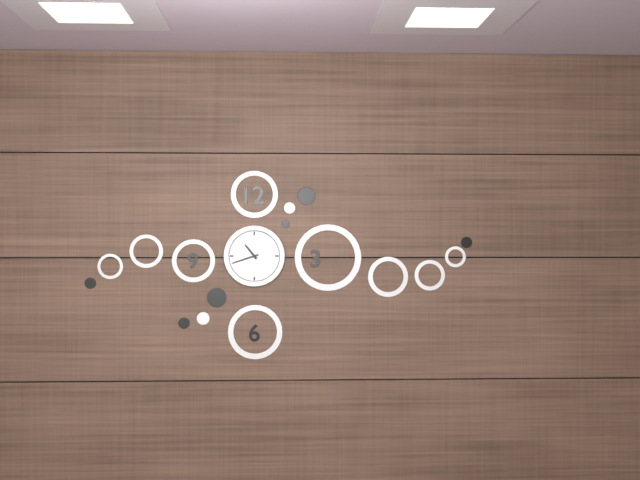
{"hour": 10, "minute": 42}
